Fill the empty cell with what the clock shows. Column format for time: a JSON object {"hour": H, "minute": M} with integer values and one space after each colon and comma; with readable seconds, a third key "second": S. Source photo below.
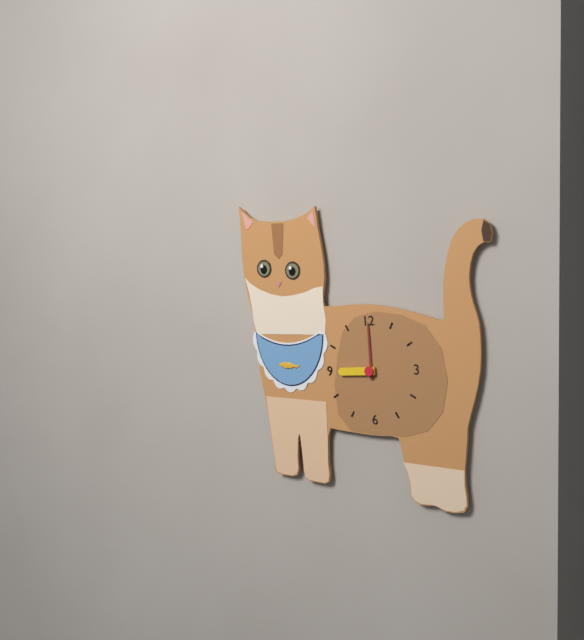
{"hour": 9, "minute": 0}
